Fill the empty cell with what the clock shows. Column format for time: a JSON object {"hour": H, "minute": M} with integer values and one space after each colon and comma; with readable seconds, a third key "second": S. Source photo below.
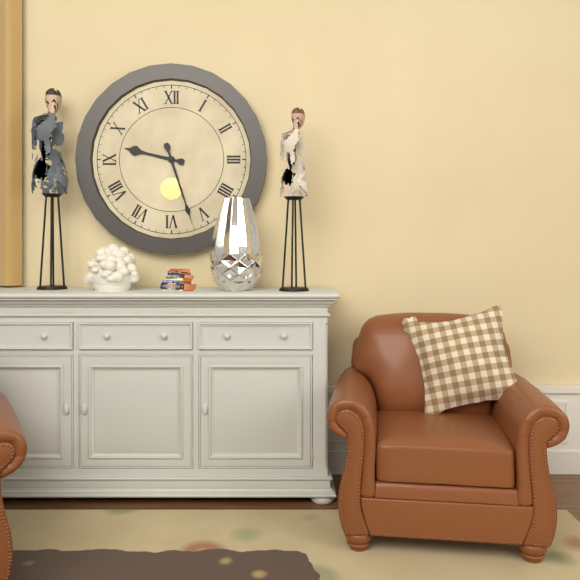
{"hour": 9, "minute": 27}
